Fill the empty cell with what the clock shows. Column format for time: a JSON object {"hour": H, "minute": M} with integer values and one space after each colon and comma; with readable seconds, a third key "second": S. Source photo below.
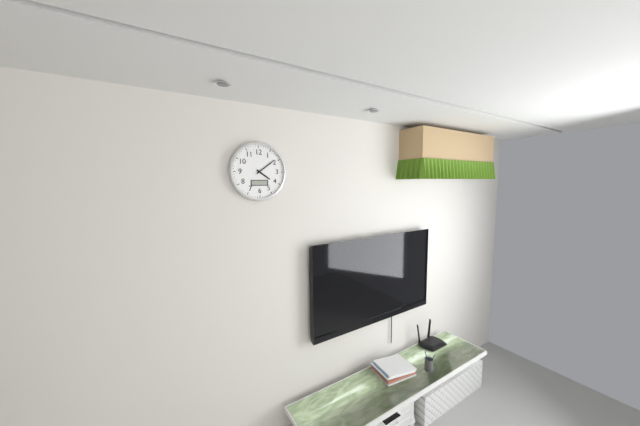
{"hour": 4, "minute": 9}
